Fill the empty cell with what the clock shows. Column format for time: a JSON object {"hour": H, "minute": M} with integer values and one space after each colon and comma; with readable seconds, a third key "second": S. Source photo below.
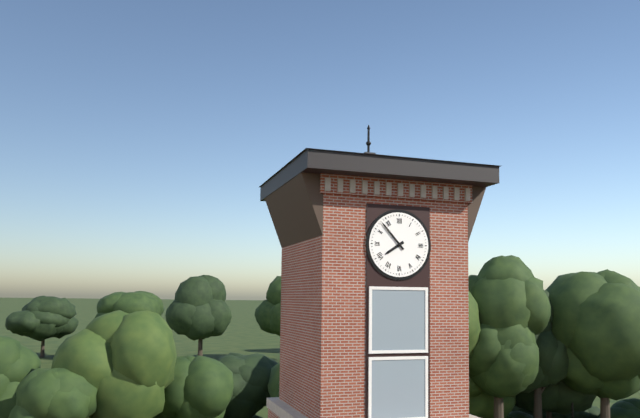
{"hour": 7, "minute": 53}
